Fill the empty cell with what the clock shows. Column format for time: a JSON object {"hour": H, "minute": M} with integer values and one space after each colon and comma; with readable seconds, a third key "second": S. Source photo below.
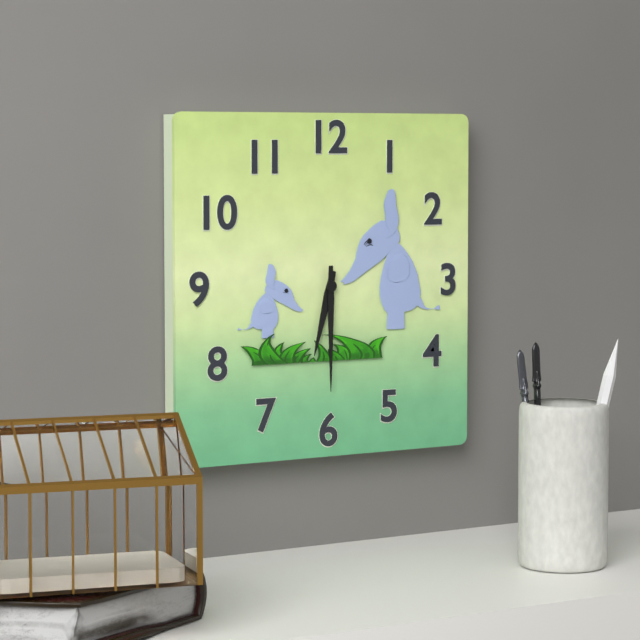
{"hour": 6, "minute": 30}
